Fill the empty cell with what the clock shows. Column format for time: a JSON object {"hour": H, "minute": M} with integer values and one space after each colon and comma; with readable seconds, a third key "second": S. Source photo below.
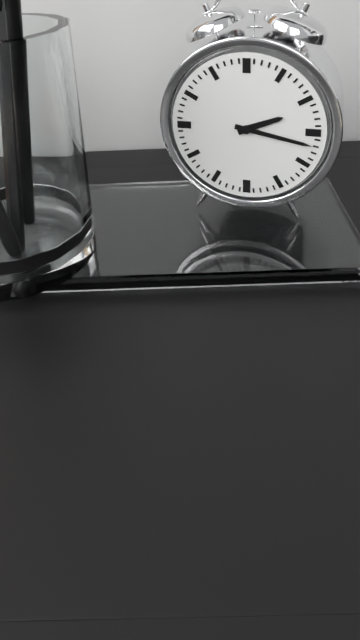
{"hour": 2, "minute": 17}
